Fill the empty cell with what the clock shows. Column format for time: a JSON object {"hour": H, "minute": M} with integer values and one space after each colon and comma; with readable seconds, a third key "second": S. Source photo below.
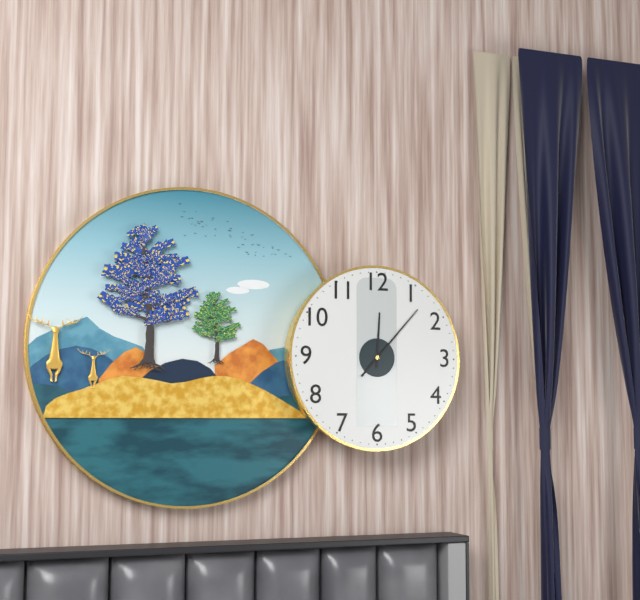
{"hour": 12, "minute": 7}
